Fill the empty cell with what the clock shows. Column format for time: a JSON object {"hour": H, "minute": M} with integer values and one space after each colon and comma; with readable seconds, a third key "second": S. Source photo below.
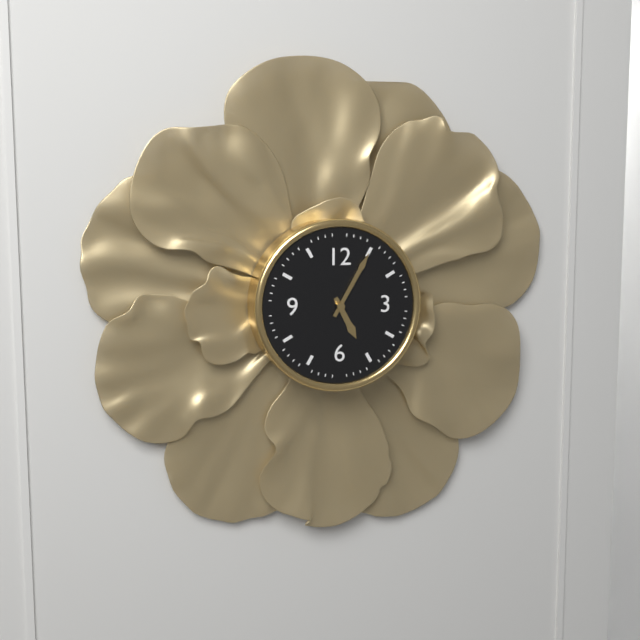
{"hour": 5, "minute": 5}
